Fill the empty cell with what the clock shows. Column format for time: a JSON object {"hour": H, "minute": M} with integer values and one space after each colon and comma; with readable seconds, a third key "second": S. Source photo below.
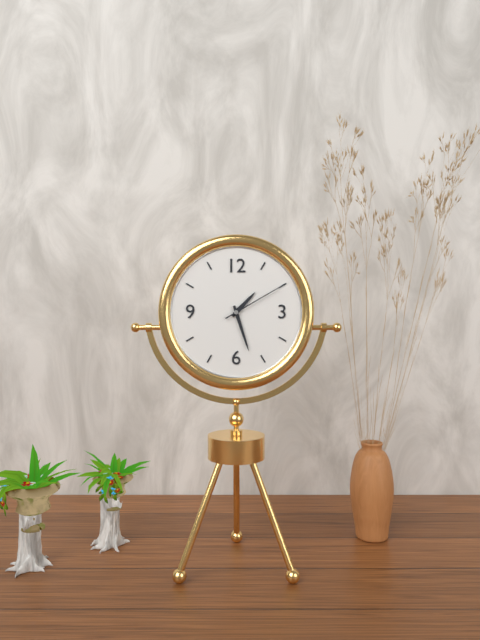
{"hour": 1, "minute": 27, "second": 10}
